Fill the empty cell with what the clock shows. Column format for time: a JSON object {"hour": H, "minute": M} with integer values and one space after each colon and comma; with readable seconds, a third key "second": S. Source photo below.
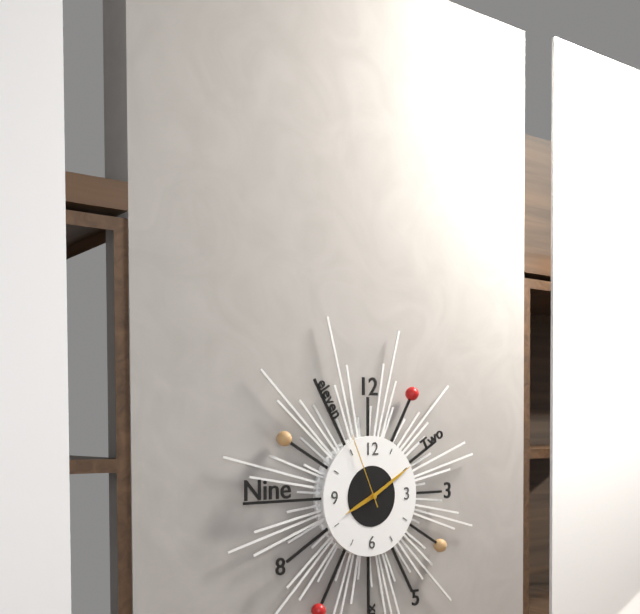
{"hour": 8, "minute": 10, "second": 56}
